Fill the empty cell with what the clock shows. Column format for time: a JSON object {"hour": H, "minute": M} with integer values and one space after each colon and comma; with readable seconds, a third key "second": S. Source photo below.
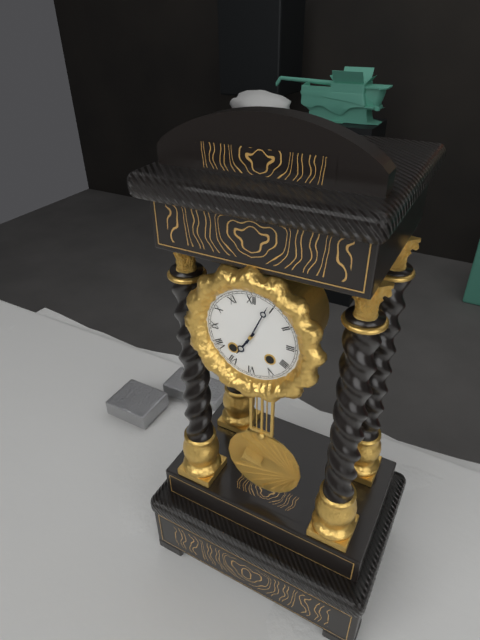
{"hour": 7, "minute": 4}
